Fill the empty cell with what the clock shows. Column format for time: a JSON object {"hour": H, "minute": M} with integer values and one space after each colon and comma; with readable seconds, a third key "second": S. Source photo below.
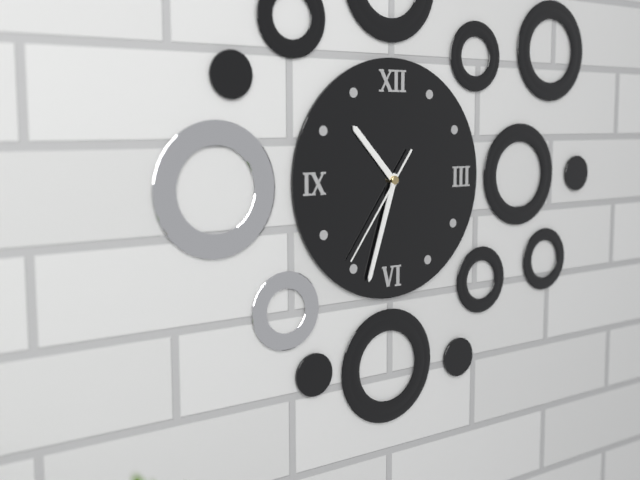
{"hour": 10, "minute": 33, "second": 36}
